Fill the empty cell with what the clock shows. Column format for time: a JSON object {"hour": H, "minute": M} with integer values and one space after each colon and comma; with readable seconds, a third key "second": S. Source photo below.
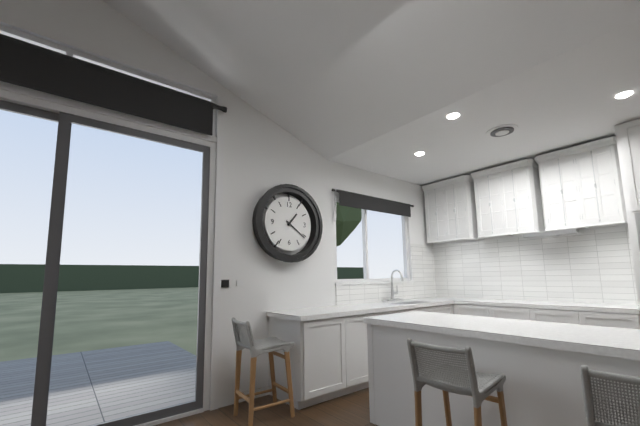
{"hour": 1, "minute": 21}
